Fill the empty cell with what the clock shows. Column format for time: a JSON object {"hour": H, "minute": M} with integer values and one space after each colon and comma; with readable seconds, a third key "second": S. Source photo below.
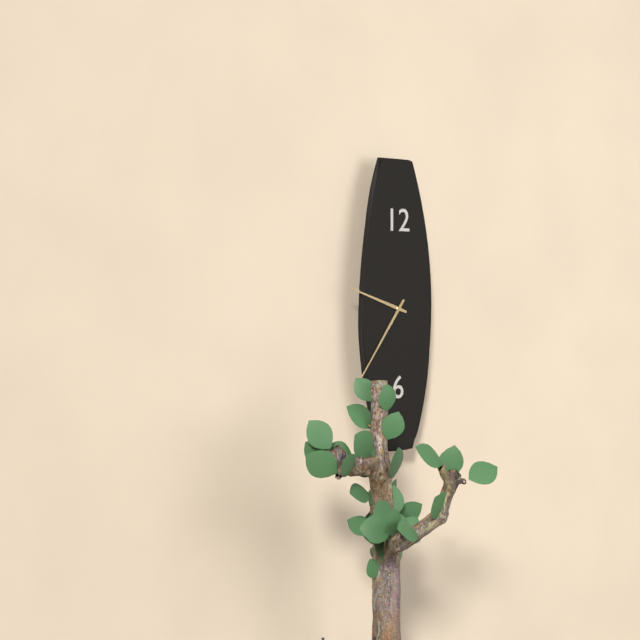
{"hour": 9, "minute": 36}
